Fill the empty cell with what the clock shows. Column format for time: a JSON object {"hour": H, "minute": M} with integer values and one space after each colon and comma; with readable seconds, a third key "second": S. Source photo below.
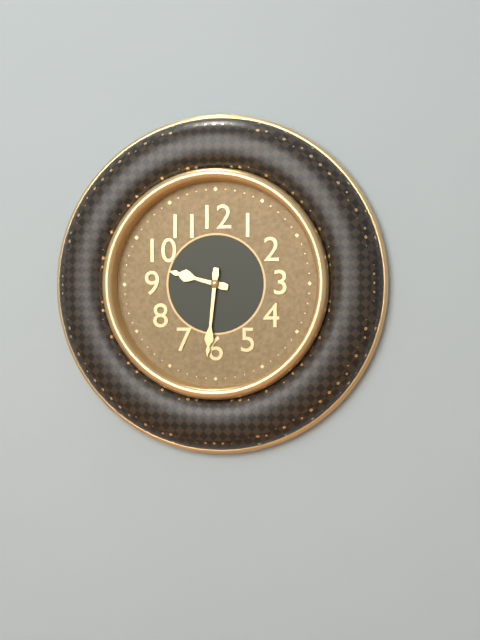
{"hour": 9, "minute": 31}
